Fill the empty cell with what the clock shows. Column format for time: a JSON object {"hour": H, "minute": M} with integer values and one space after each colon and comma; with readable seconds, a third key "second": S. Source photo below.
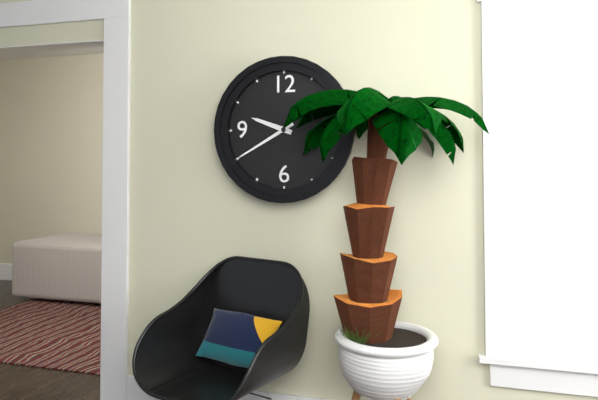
{"hour": 9, "minute": 40}
